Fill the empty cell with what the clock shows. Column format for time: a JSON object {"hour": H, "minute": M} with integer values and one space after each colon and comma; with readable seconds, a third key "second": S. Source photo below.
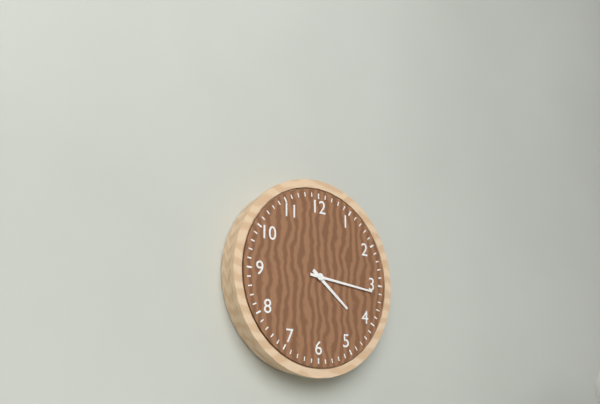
{"hour": 4, "minute": 16}
